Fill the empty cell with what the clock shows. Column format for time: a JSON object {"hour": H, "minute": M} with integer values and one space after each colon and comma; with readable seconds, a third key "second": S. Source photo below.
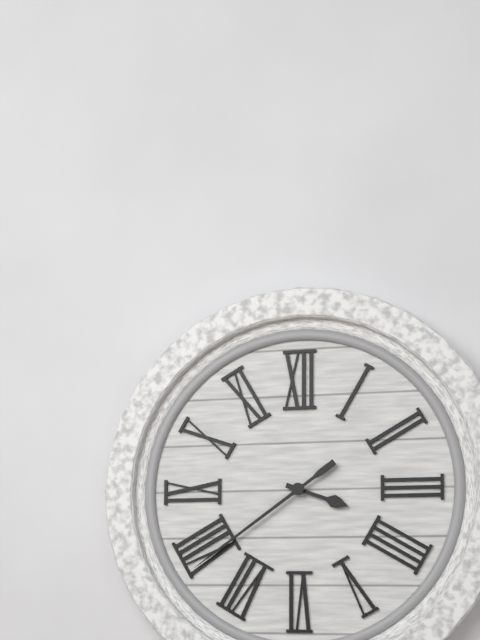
{"hour": 3, "minute": 39}
